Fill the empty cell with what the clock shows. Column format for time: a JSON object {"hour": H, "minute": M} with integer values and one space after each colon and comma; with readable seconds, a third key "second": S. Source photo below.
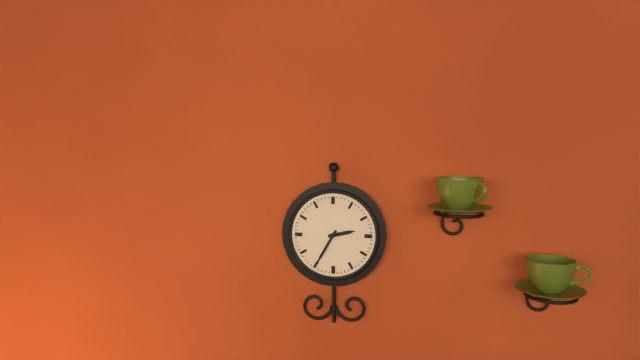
{"hour": 2, "minute": 35}
